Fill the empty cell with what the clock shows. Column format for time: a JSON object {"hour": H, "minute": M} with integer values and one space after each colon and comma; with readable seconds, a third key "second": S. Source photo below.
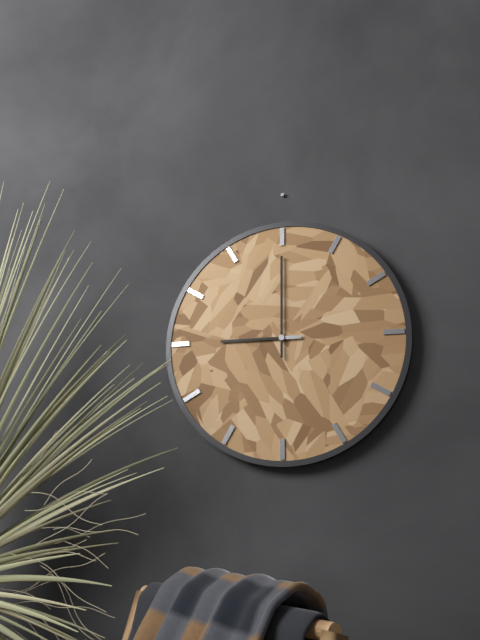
{"hour": 9, "minute": 0}
